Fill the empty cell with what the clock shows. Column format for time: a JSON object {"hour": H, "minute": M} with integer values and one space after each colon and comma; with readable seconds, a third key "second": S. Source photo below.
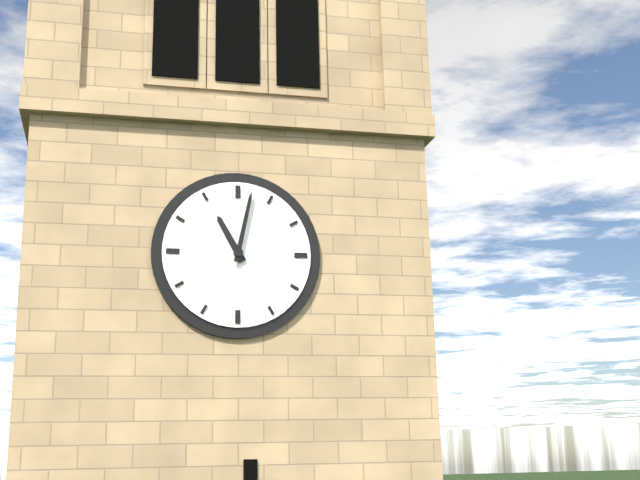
{"hour": 11, "minute": 2}
